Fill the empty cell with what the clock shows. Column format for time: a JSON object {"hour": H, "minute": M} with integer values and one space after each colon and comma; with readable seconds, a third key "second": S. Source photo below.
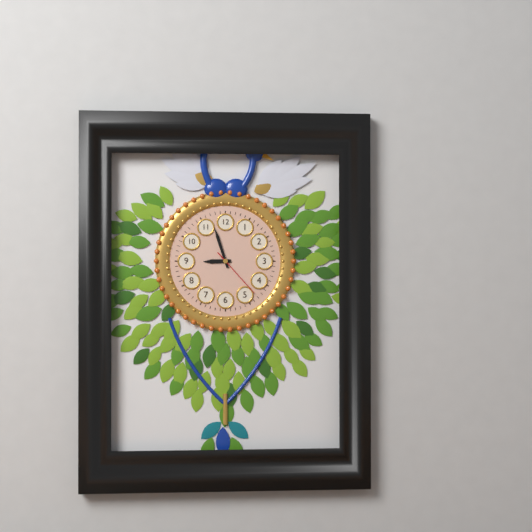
{"hour": 8, "minute": 57, "second": 23}
